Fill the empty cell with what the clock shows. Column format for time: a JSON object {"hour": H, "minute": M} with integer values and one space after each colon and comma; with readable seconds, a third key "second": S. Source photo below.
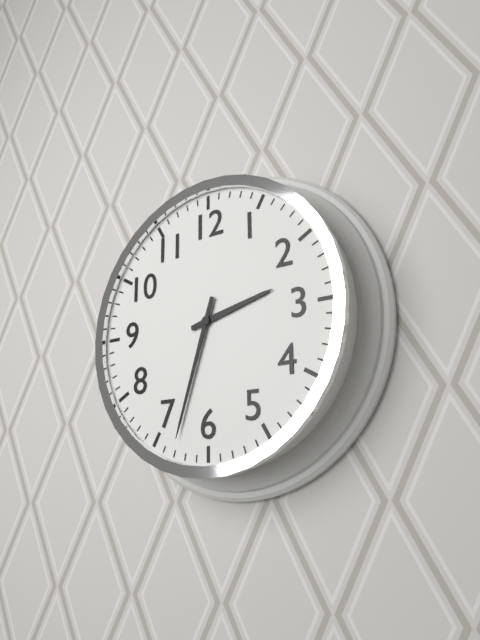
{"hour": 2, "minute": 33}
